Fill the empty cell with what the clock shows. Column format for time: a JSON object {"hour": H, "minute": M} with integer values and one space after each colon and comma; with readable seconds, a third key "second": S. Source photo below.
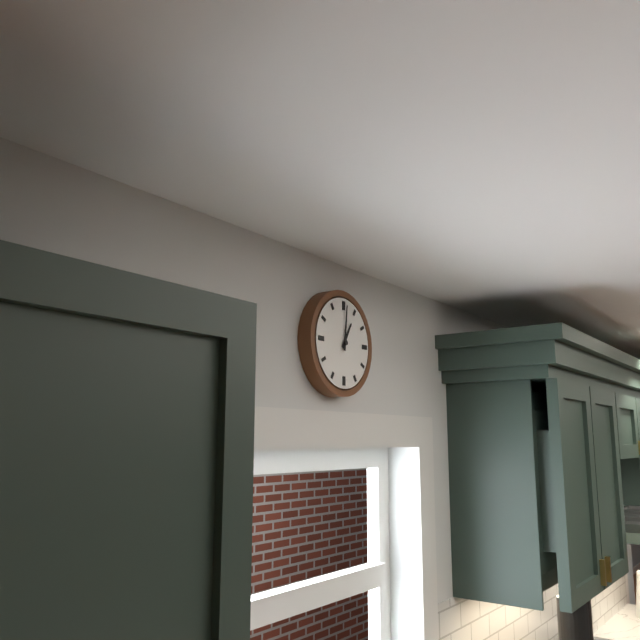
{"hour": 1, "minute": 1}
